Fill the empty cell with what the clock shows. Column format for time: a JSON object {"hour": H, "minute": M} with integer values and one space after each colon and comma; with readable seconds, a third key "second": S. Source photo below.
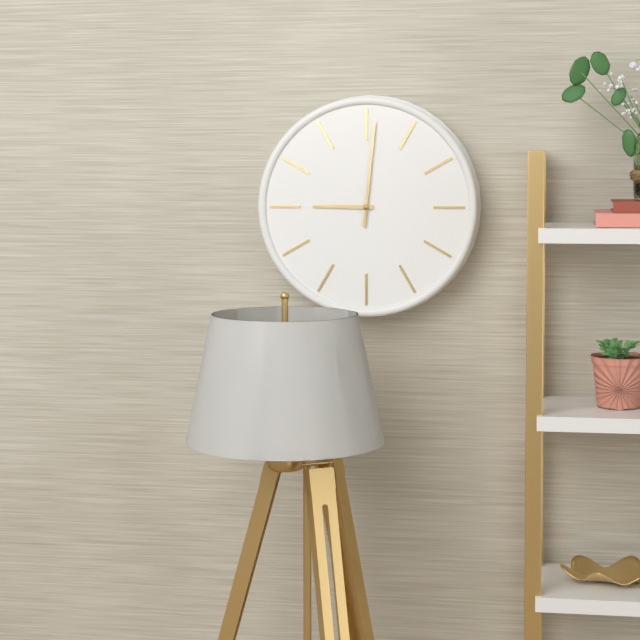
{"hour": 9, "minute": 1}
